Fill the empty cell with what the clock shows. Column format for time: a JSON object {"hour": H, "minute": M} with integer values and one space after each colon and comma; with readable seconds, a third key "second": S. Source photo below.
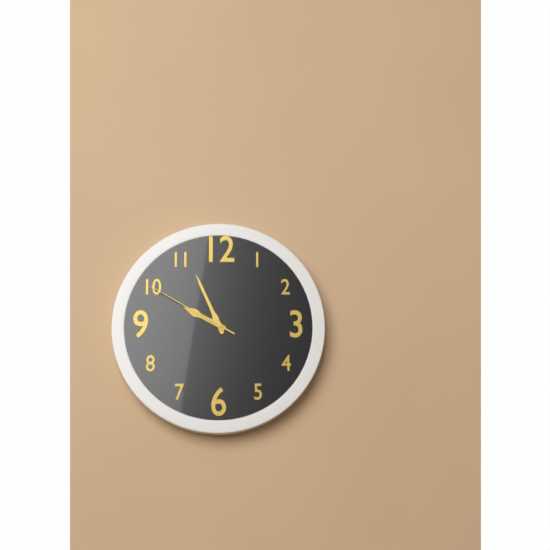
{"hour": 9, "minute": 56, "second": 50}
